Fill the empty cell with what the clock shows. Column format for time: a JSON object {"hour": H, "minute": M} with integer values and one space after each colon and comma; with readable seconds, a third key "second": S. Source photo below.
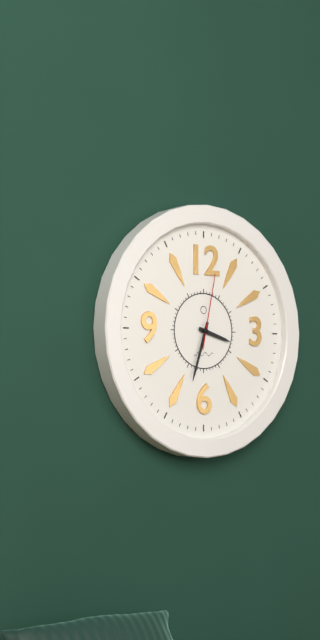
{"hour": 3, "minute": 33, "second": 2}
